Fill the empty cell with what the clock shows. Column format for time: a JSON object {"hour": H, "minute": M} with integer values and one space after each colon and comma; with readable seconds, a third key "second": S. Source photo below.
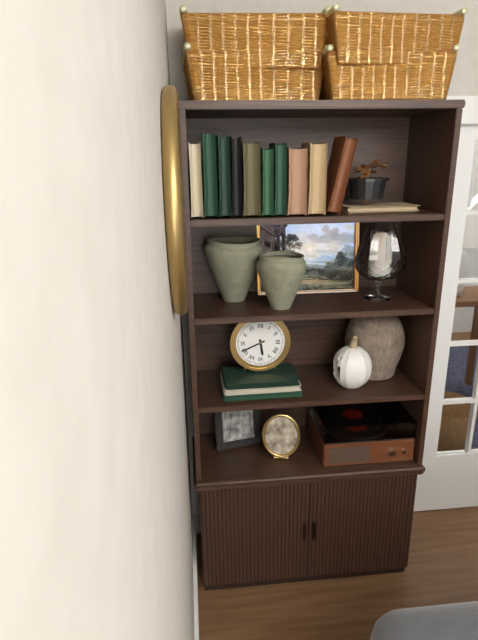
{"hour": 5, "minute": 41}
